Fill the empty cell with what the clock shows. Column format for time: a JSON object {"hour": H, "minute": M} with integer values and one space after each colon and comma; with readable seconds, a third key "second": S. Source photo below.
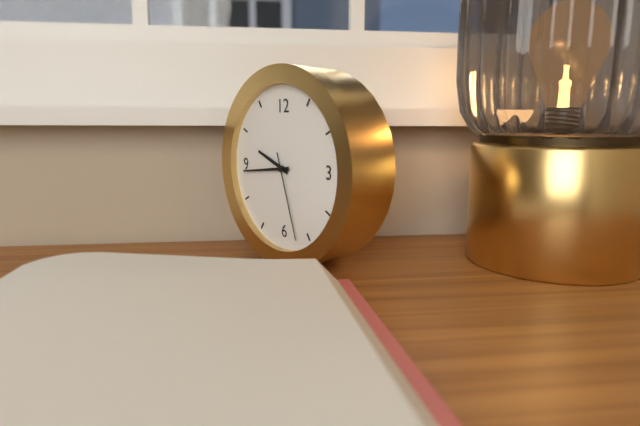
{"hour": 9, "minute": 44, "second": 27}
